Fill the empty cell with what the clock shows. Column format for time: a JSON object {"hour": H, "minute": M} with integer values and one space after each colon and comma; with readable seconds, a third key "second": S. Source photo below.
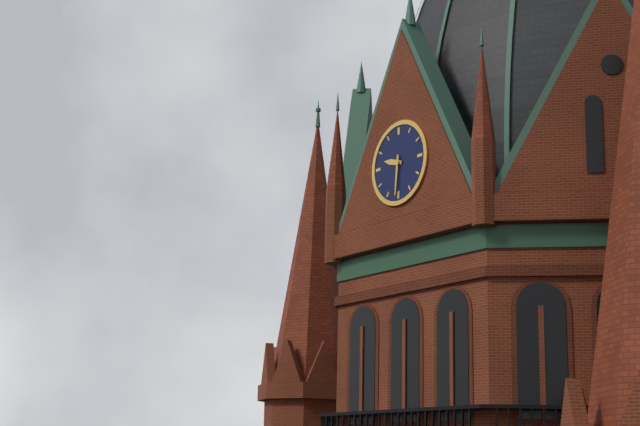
{"hour": 9, "minute": 31}
